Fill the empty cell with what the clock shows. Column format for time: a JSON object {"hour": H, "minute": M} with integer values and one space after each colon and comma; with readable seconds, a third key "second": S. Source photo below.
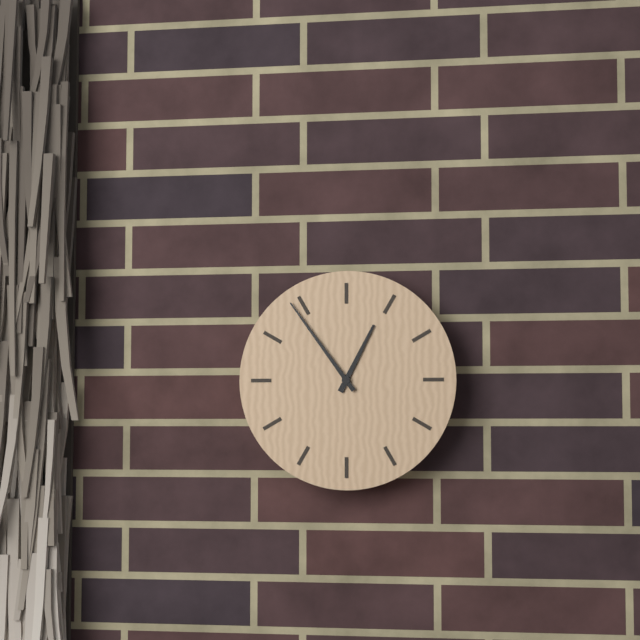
{"hour": 12, "minute": 54}
